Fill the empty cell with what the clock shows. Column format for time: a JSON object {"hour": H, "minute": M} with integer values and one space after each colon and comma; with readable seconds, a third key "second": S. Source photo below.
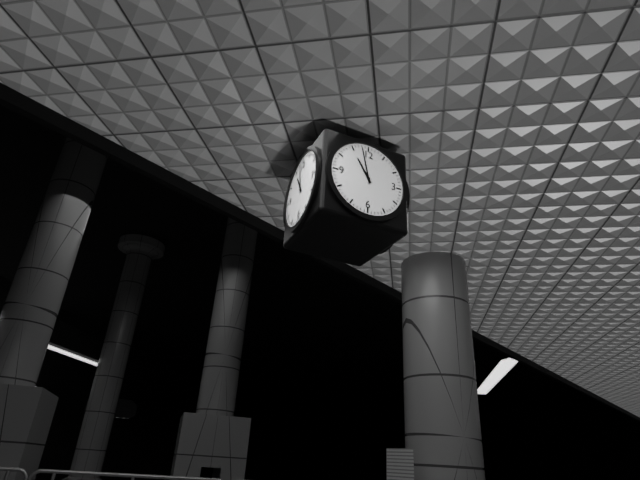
{"hour": 10, "minute": 58}
